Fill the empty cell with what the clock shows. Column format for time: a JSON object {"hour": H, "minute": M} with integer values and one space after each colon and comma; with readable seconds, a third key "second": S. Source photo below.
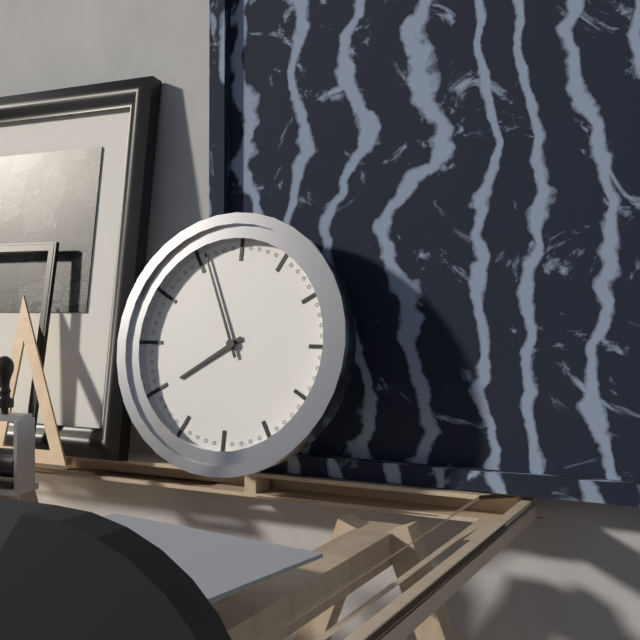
{"hour": 7, "minute": 56}
